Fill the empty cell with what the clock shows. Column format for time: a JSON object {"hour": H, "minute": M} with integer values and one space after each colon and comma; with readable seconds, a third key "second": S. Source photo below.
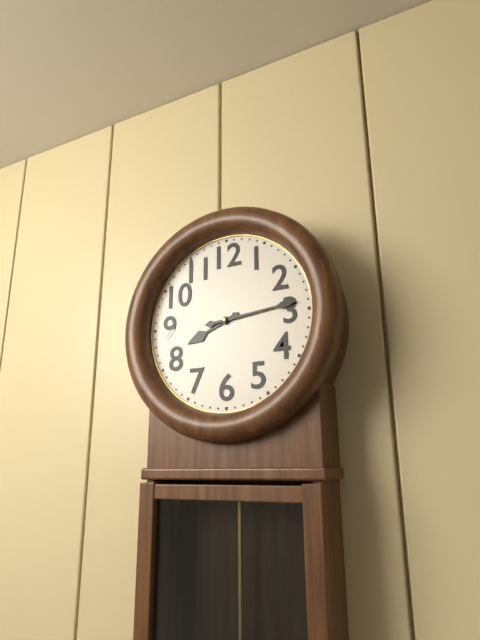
{"hour": 8, "minute": 14}
